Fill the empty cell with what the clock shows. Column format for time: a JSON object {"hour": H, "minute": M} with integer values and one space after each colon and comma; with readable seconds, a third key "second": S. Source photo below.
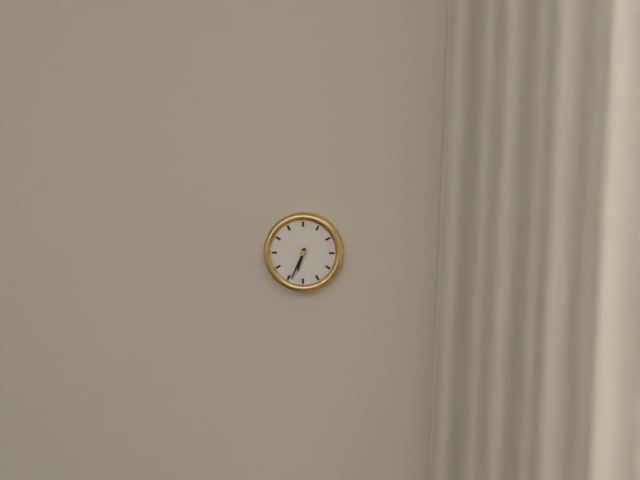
{"hour": 6, "minute": 34}
